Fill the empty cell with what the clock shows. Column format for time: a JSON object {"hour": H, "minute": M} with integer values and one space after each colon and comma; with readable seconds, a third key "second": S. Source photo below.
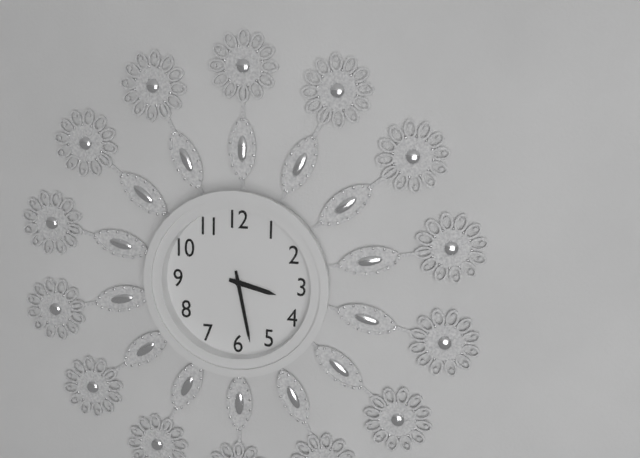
{"hour": 3, "minute": 28}
